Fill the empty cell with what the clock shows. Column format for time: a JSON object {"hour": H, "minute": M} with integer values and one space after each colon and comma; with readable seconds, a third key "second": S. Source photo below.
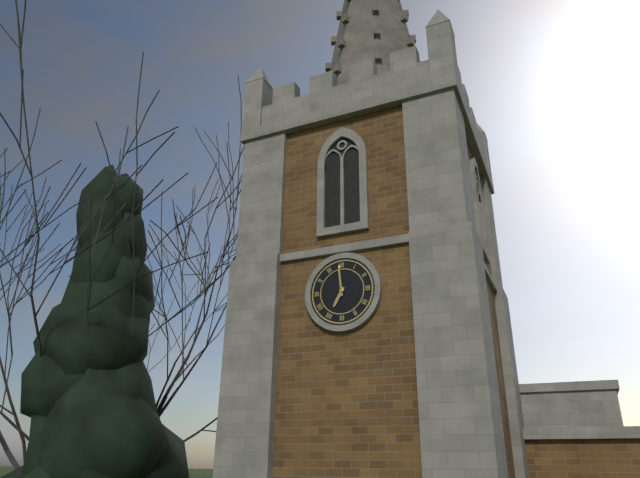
{"hour": 6, "minute": 59}
